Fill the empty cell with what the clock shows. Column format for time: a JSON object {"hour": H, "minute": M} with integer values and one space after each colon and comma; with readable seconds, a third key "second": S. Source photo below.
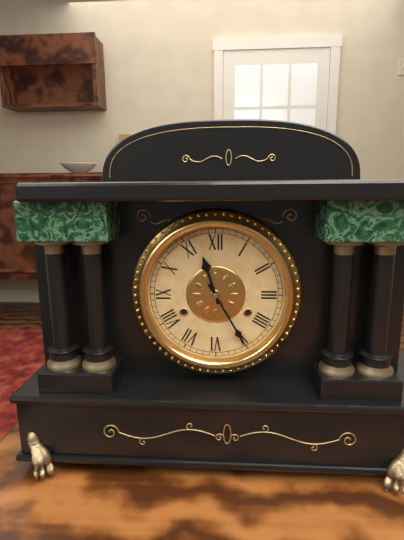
{"hour": 11, "minute": 25}
